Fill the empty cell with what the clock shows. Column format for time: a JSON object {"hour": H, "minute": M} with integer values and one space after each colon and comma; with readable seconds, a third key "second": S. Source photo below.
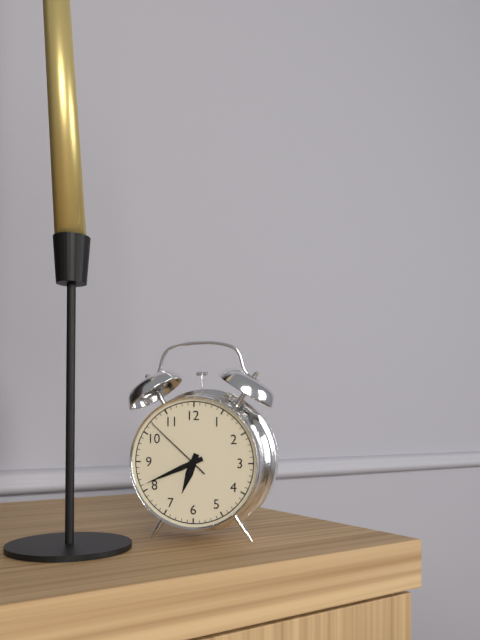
{"hour": 6, "minute": 41, "second": 52}
